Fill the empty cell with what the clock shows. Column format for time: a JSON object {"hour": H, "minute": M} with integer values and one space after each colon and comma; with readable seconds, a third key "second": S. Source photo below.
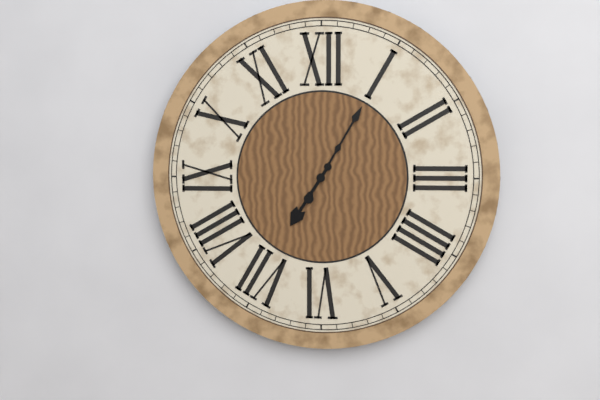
{"hour": 7, "minute": 5}
